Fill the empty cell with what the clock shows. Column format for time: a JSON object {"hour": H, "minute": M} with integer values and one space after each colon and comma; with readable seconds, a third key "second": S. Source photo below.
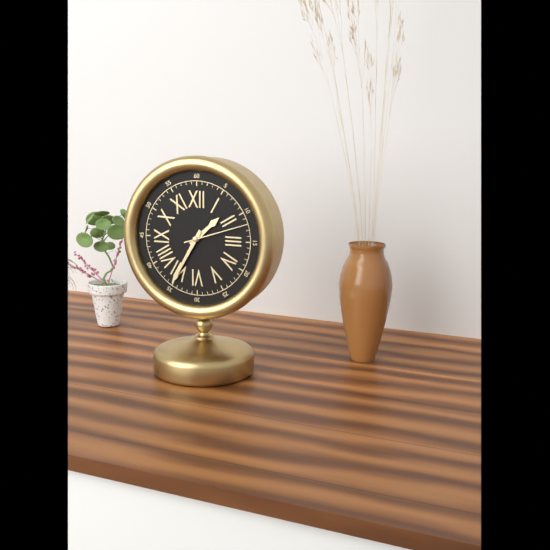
{"hour": 1, "minute": 35, "second": 12}
